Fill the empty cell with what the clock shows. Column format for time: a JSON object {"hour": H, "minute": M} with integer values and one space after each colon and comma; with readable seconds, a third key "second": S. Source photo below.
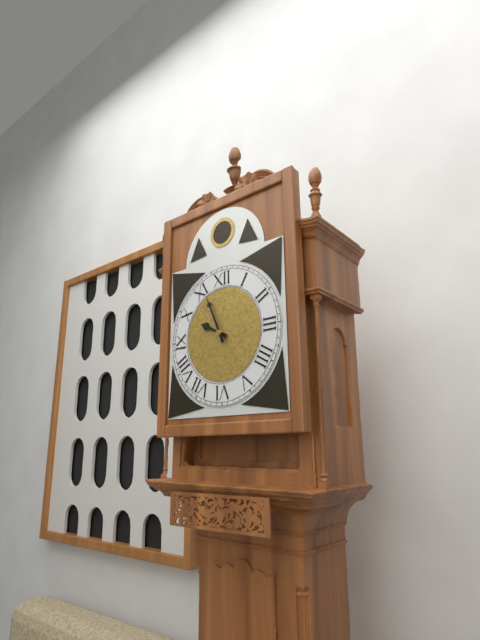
{"hour": 9, "minute": 56}
